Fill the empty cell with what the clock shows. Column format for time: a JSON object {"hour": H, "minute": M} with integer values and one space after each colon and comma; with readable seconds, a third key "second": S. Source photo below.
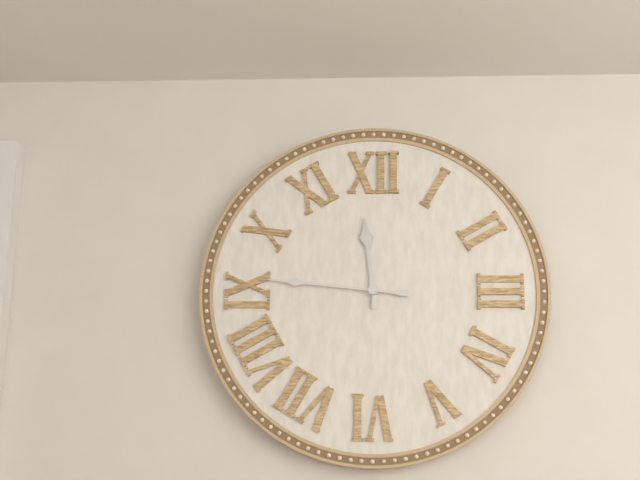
{"hour": 11, "minute": 46}
